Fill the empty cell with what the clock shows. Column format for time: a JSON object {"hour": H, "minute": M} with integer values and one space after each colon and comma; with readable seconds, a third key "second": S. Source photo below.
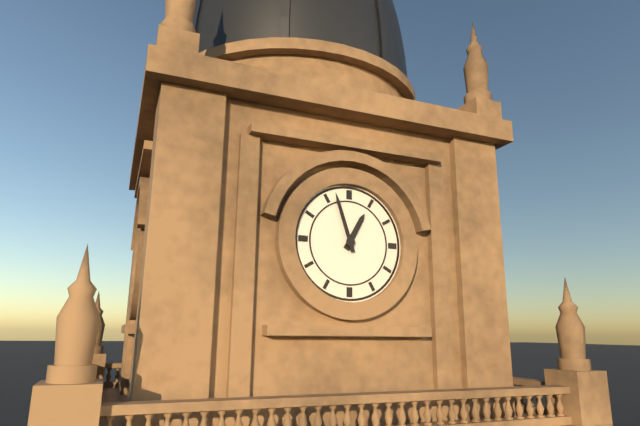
{"hour": 12, "minute": 57}
